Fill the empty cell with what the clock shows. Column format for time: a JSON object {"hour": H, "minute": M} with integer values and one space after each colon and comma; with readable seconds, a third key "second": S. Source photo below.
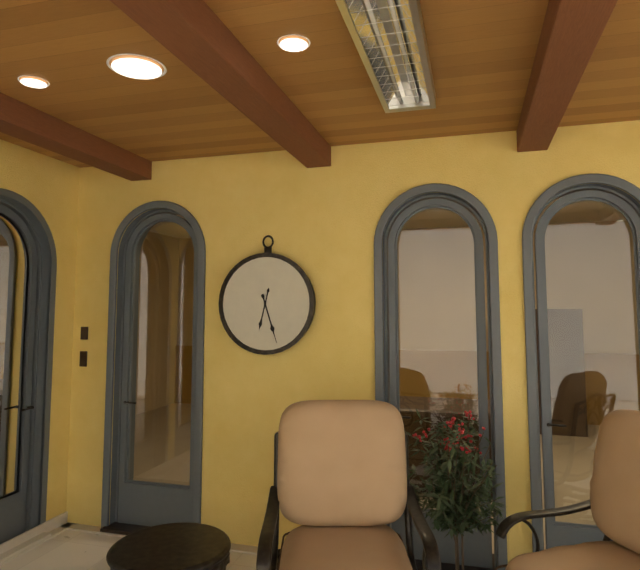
{"hour": 6, "minute": 27}
